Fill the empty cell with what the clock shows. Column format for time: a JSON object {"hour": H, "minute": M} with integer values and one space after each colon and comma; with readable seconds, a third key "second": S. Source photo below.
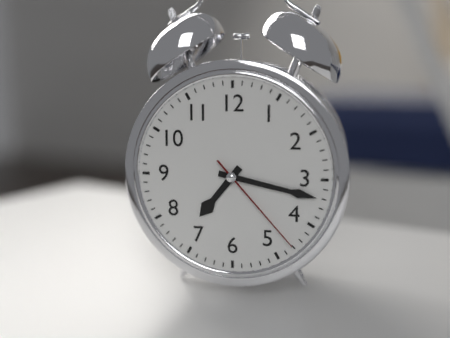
{"hour": 7, "minute": 17, "second": 23}
